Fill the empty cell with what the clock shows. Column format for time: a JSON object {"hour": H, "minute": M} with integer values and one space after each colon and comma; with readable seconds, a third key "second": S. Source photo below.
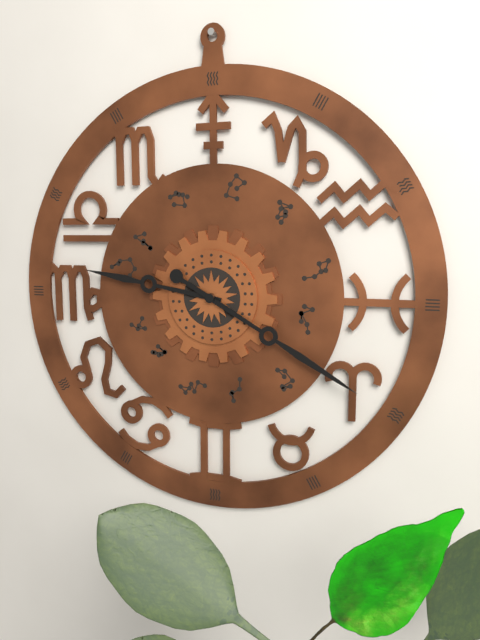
{"hour": 9, "minute": 20}
